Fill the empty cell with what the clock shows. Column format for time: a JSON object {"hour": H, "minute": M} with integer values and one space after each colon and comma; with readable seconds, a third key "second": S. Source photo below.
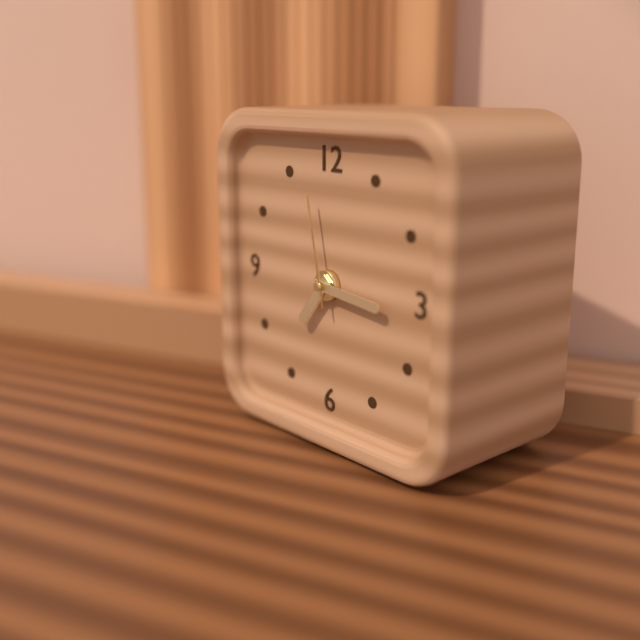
{"hour": 7, "minute": 16, "second": 58}
